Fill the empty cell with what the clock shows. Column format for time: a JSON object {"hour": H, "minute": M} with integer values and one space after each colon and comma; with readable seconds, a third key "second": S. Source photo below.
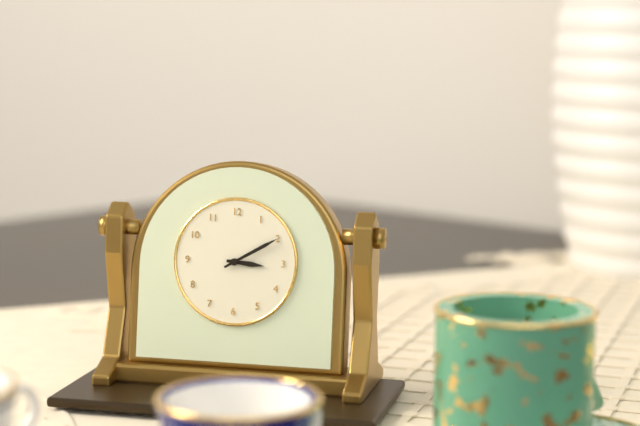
{"hour": 3, "minute": 10}
